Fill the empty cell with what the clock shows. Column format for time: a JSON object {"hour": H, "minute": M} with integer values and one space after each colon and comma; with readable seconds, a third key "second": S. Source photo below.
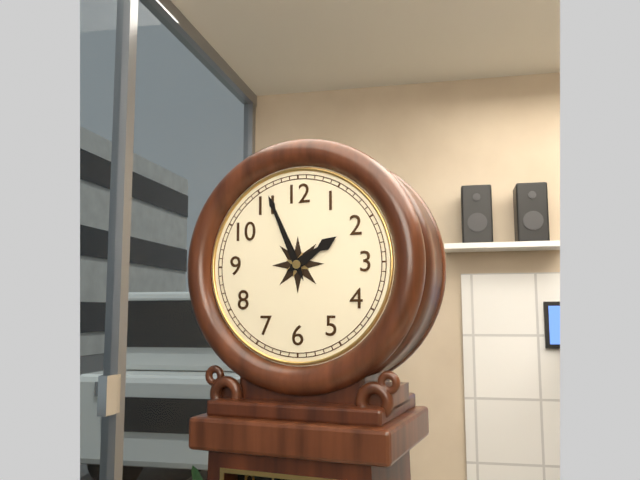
{"hour": 1, "minute": 56}
